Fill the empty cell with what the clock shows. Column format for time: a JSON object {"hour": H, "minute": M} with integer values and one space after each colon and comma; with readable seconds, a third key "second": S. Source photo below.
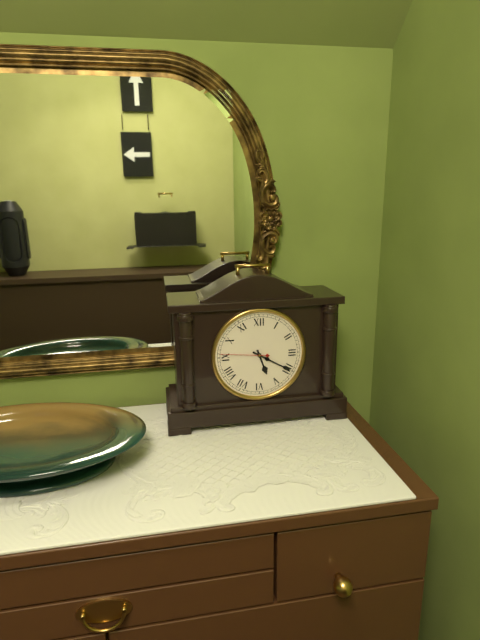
{"hour": 5, "minute": 20}
